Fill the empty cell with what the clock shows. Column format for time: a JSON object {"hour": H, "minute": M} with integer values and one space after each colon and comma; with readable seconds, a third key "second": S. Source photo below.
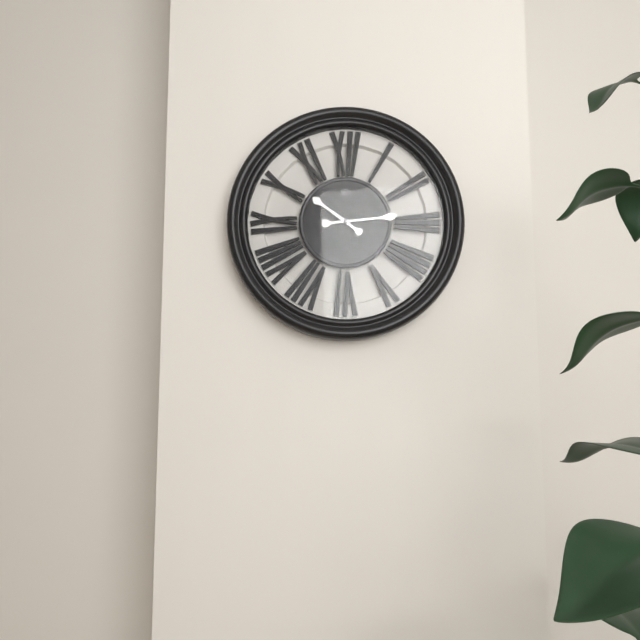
{"hour": 10, "minute": 14}
